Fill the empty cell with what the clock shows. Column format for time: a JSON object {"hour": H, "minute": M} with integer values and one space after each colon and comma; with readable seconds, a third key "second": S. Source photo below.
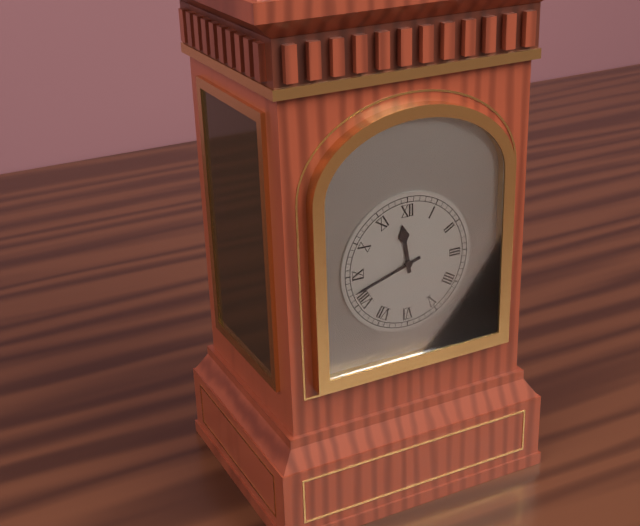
{"hour": 11, "minute": 42}
